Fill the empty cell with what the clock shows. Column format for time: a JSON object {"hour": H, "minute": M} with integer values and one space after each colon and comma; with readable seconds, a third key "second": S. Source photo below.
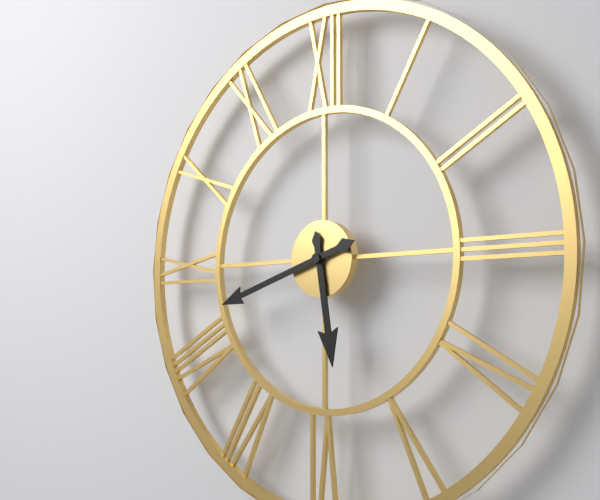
{"hour": 5, "minute": 42}
